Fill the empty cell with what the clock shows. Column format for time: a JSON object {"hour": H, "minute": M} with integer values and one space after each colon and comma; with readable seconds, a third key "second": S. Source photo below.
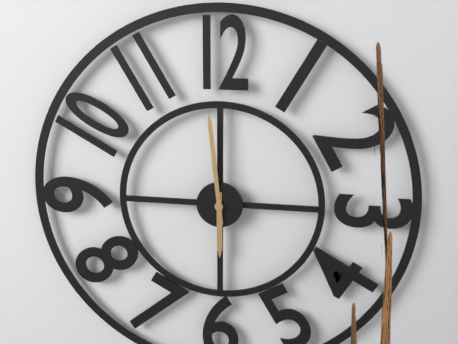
{"hour": 5, "minute": 59}
